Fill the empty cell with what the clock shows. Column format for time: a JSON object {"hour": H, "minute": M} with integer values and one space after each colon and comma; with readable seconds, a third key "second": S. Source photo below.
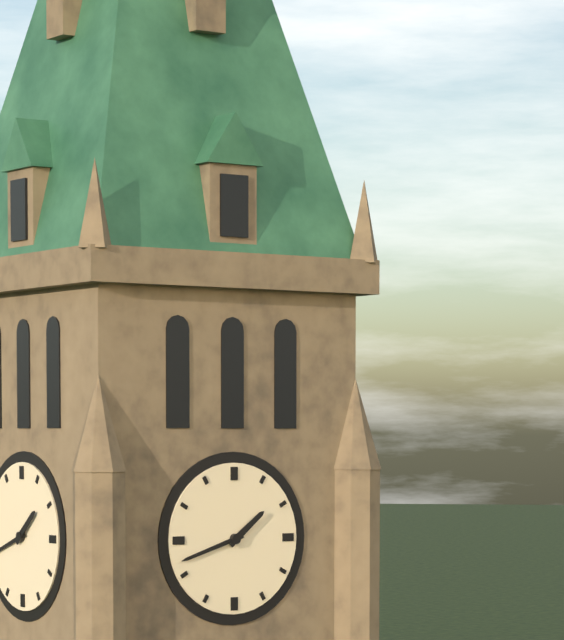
{"hour": 1, "minute": 42}
